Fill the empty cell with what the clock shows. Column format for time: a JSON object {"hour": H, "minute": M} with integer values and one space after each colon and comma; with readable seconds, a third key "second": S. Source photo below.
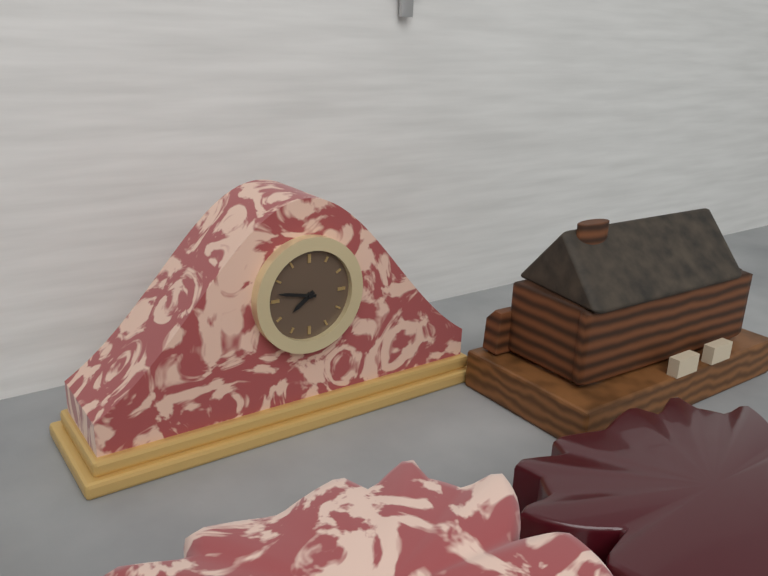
{"hour": 7, "minute": 47}
